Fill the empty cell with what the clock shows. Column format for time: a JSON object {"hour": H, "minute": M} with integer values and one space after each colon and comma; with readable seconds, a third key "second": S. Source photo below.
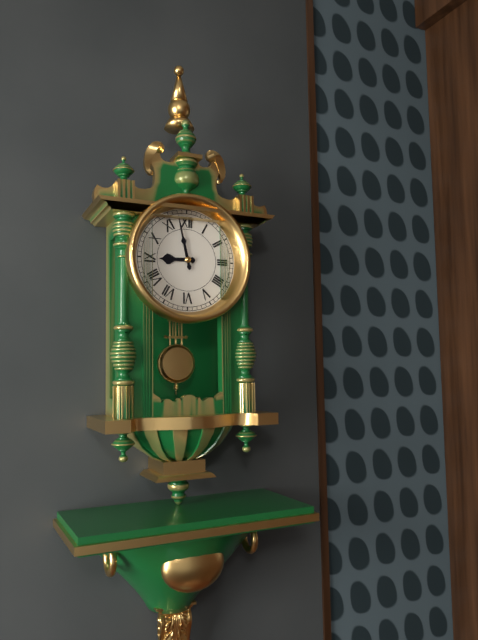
{"hour": 8, "minute": 58}
